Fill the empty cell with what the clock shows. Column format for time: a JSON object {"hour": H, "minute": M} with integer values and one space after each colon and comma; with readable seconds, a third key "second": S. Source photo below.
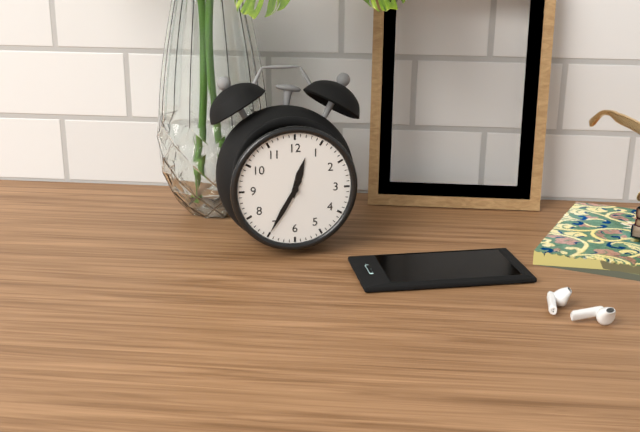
{"hour": 12, "minute": 35}
